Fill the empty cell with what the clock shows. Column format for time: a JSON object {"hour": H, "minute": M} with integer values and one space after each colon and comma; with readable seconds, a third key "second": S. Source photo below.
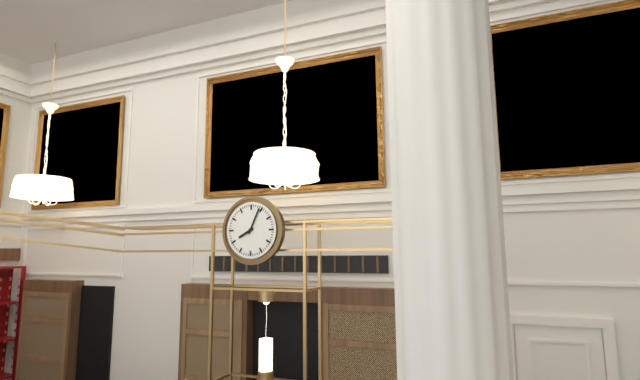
{"hour": 8, "minute": 4}
